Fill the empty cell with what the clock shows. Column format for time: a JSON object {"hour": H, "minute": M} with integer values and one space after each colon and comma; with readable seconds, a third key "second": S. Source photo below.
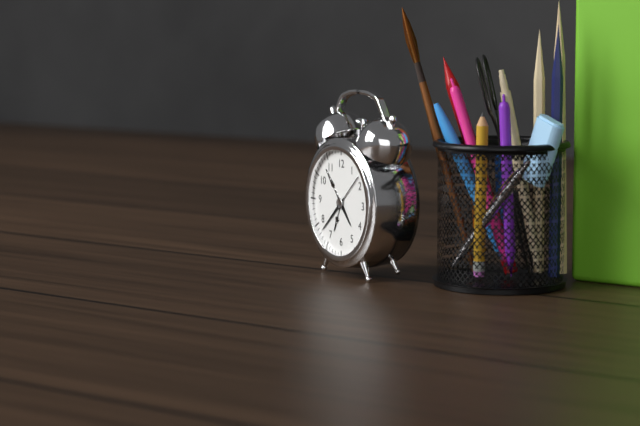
{"hour": 4, "minute": 38}
